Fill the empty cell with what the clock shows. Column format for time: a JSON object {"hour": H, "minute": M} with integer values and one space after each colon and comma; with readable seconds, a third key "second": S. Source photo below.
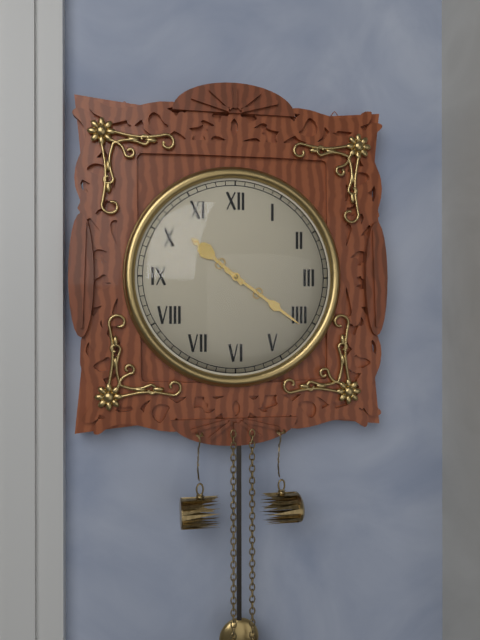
{"hour": 10, "minute": 21}
